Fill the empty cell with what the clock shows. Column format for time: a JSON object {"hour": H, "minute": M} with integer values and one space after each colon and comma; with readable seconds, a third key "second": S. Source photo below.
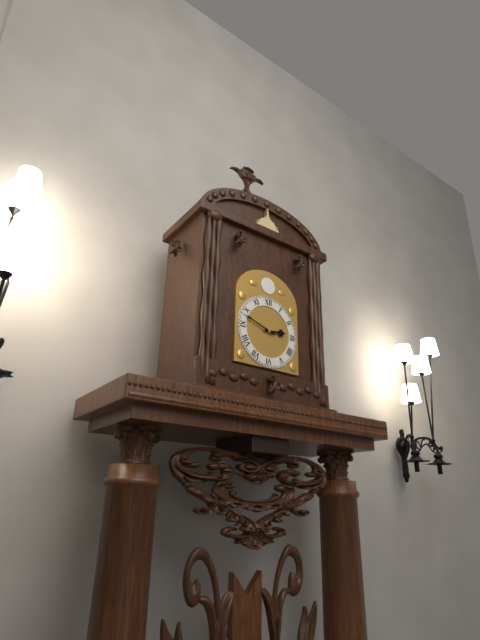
{"hour": 2, "minute": 48}
